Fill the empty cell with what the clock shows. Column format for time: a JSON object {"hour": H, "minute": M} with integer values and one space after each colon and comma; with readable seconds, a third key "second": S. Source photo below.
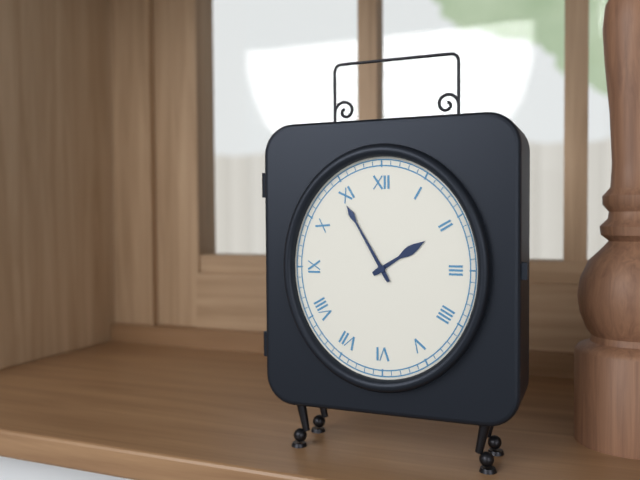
{"hour": 1, "minute": 55}
